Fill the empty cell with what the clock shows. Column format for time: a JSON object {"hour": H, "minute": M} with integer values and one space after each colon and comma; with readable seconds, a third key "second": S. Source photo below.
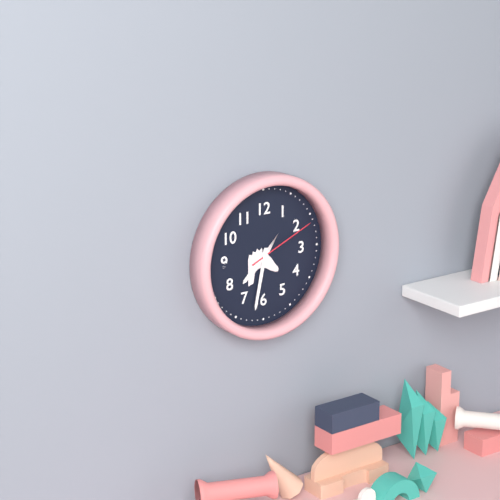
{"hour": 7, "minute": 32, "second": 11}
